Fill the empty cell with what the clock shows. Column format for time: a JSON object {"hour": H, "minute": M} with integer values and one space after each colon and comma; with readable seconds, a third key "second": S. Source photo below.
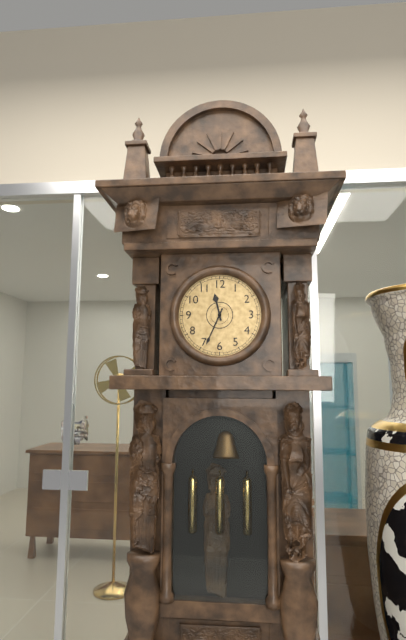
{"hour": 11, "minute": 34}
